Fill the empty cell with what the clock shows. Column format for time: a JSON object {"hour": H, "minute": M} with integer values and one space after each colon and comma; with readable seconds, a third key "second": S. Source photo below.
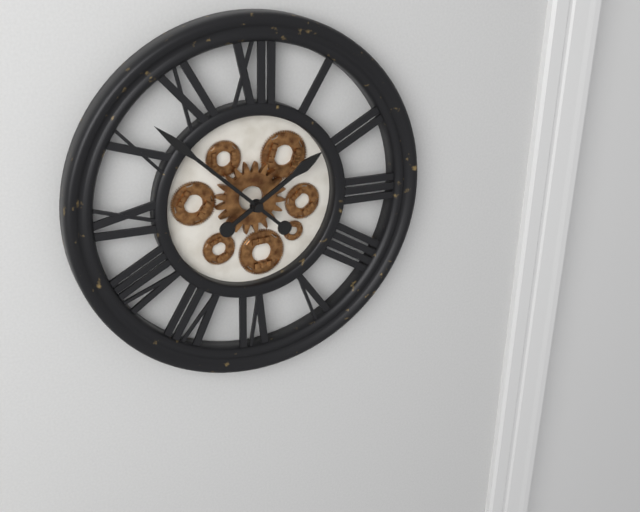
{"hour": 1, "minute": 52}
